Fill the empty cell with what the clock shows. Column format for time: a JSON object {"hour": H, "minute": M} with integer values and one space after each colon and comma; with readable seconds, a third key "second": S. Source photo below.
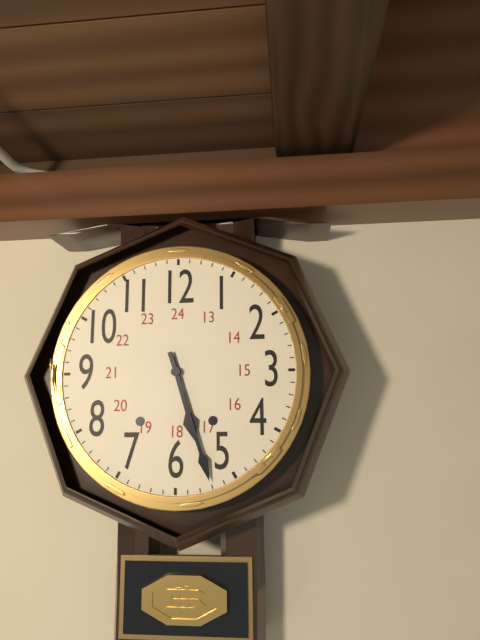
{"hour": 5, "minute": 27}
